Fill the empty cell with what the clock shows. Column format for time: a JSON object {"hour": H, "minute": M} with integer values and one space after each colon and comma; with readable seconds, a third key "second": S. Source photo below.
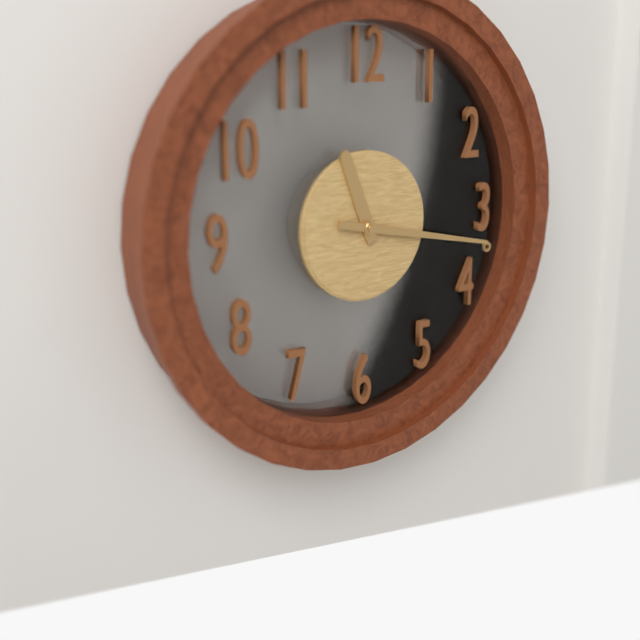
{"hour": 11, "minute": 17}
